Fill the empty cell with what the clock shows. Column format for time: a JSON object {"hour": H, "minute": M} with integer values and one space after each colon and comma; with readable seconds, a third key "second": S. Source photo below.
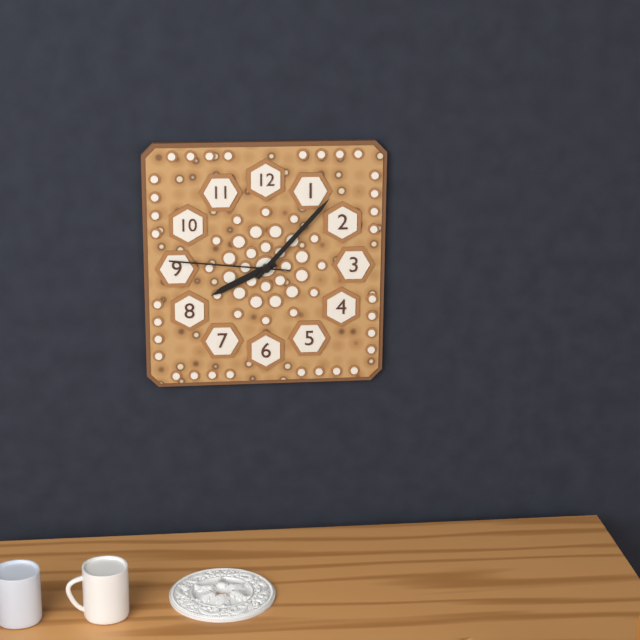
{"hour": 8, "minute": 7, "second": 46}
